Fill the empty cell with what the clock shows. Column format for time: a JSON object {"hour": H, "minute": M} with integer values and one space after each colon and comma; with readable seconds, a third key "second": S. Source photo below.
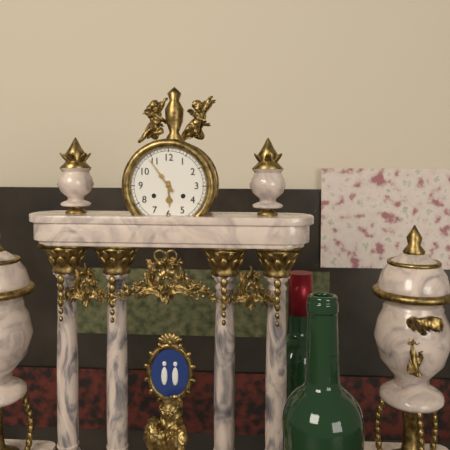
{"hour": 5, "minute": 54}
